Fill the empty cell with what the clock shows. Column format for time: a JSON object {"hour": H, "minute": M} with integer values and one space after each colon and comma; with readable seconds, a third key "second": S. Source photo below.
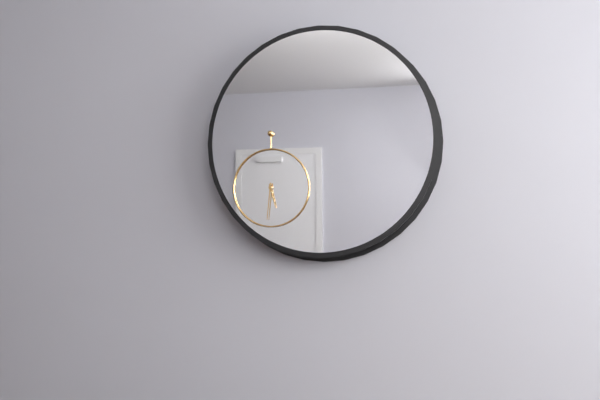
{"hour": 5, "minute": 31}
